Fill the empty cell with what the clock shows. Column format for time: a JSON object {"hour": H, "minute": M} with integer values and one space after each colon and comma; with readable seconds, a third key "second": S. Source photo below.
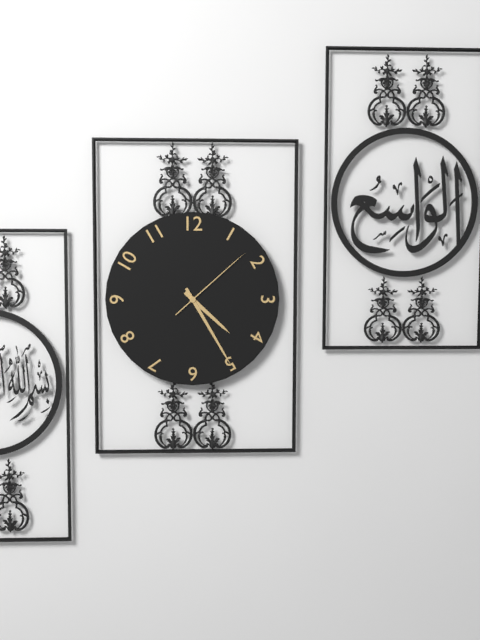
{"hour": 4, "minute": 25, "second": 8}
